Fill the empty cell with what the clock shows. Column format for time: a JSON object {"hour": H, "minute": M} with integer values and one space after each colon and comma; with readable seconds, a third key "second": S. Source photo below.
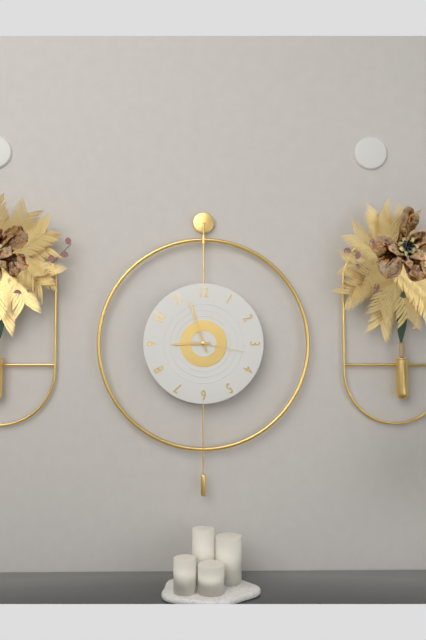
{"hour": 8, "minute": 57, "second": 17}
